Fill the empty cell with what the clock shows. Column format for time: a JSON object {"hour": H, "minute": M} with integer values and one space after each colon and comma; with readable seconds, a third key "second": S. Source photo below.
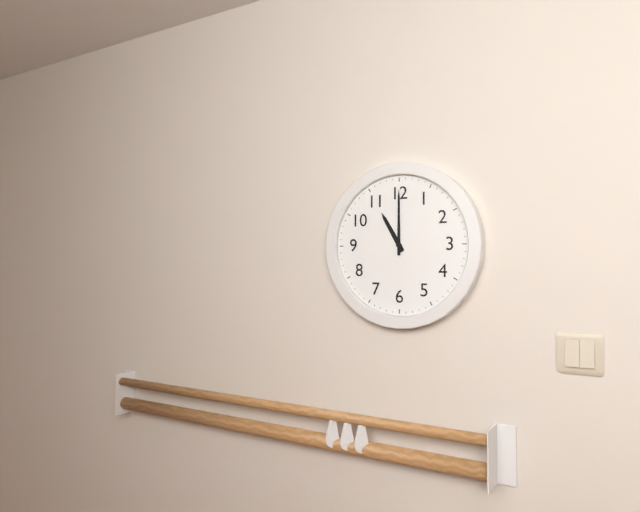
{"hour": 11, "minute": 0}
